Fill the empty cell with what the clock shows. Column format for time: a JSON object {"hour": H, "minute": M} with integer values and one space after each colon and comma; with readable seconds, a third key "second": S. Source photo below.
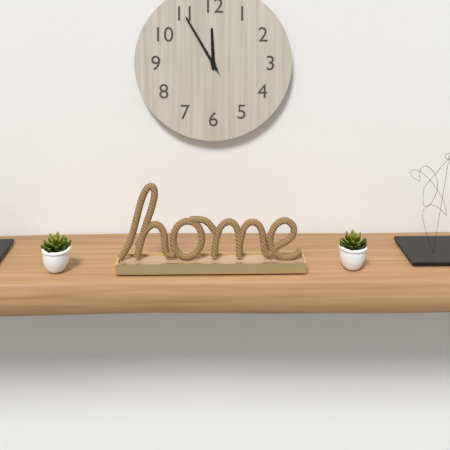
{"hour": 11, "minute": 55, "second": 55}
